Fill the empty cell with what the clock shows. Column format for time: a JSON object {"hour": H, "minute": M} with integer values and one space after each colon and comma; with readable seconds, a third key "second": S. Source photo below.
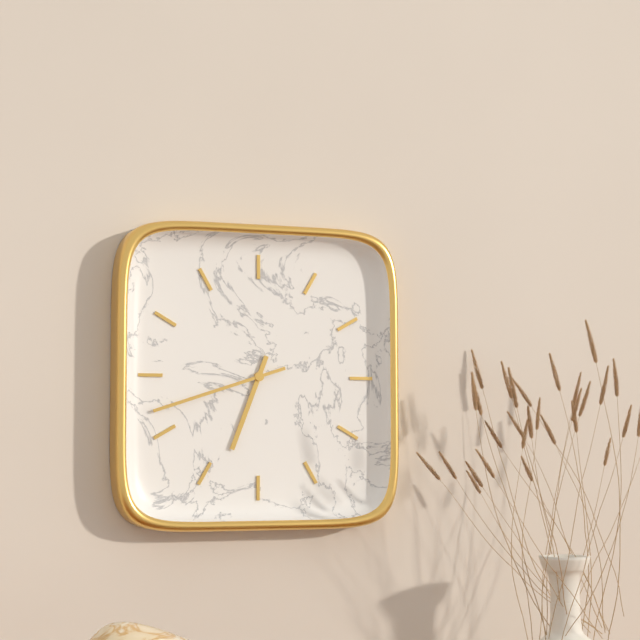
{"hour": 6, "minute": 42}
